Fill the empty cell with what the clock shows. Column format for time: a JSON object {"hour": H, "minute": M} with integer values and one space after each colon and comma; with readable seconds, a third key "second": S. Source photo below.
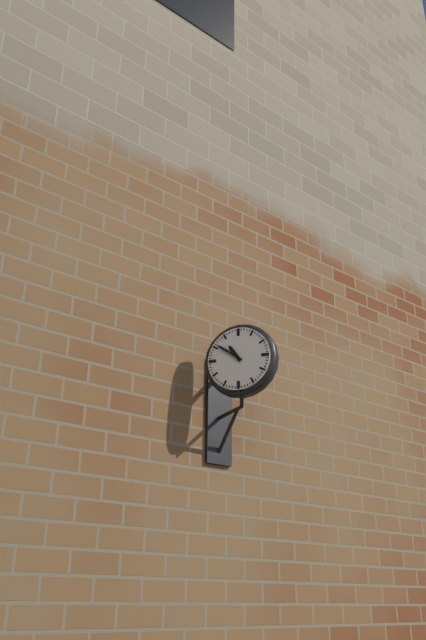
{"hour": 10, "minute": 51}
